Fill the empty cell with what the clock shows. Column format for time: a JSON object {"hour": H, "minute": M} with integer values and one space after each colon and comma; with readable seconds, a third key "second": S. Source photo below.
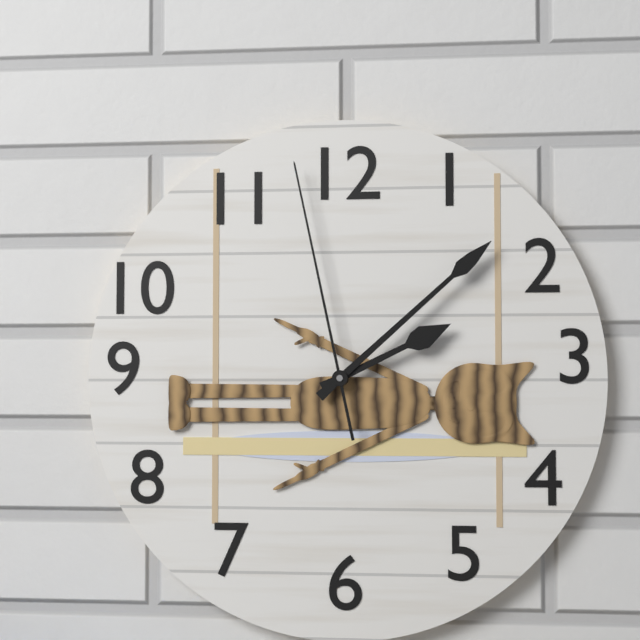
{"hour": 2, "minute": 8, "second": 58}
